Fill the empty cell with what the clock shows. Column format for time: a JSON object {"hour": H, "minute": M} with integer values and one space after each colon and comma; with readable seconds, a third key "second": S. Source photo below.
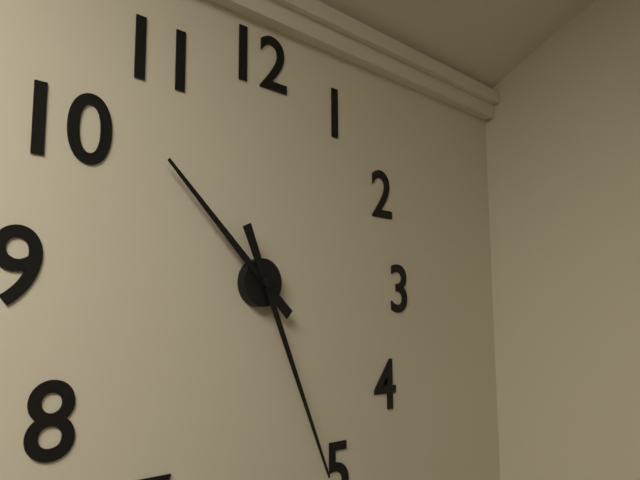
{"hour": 10, "minute": 26}
